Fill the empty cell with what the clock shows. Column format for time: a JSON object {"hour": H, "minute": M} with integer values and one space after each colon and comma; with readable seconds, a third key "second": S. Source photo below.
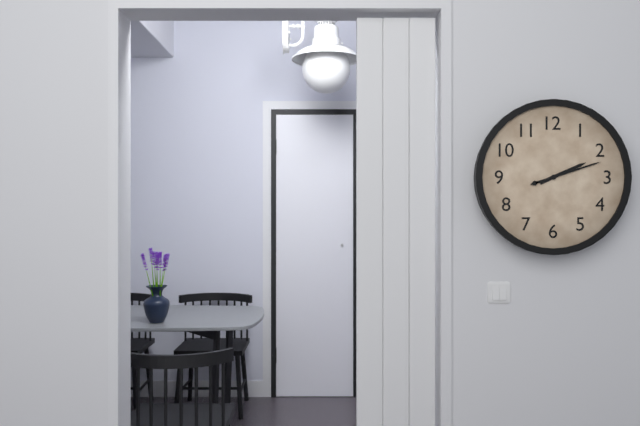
{"hour": 2, "minute": 12}
